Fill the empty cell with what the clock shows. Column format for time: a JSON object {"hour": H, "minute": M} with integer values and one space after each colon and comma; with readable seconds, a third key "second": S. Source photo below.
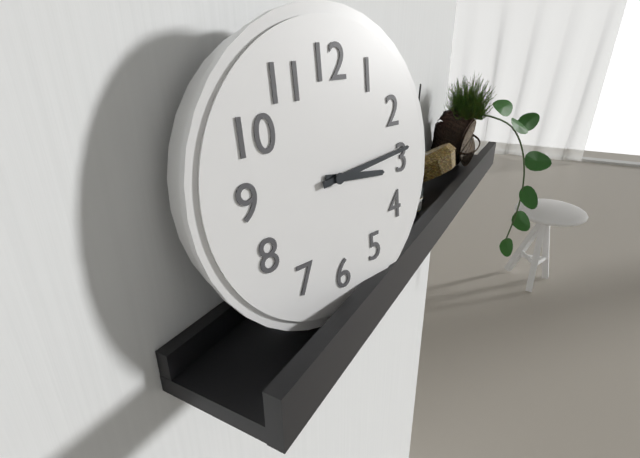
{"hour": 3, "minute": 14}
